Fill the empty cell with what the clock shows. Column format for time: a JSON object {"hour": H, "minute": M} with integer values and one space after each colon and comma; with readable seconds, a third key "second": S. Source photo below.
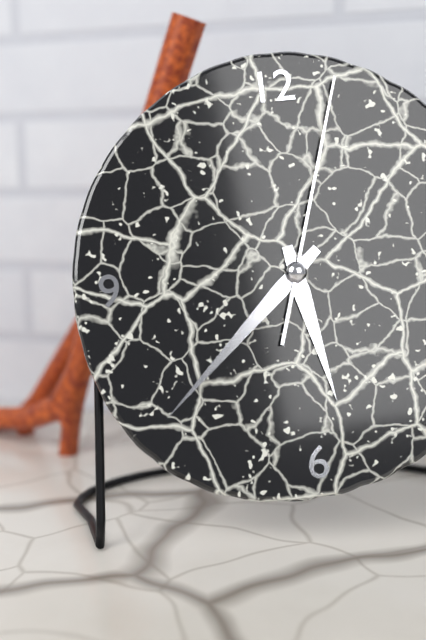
{"hour": 5, "minute": 38, "second": 3}
